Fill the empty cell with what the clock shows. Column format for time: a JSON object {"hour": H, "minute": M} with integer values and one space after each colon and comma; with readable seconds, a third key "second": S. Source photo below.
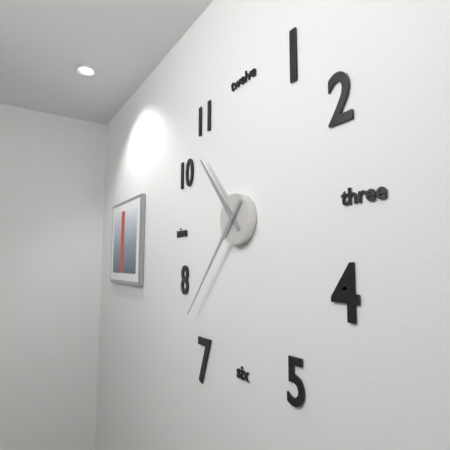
{"hour": 10, "minute": 37}
